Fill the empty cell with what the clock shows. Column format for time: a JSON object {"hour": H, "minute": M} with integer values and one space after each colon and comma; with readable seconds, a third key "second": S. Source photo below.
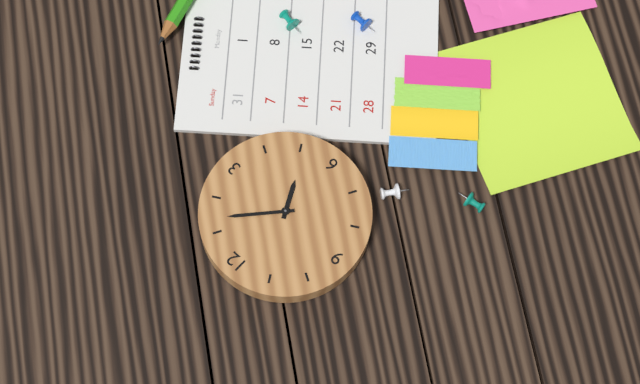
{"hour": 5, "minute": 7}
